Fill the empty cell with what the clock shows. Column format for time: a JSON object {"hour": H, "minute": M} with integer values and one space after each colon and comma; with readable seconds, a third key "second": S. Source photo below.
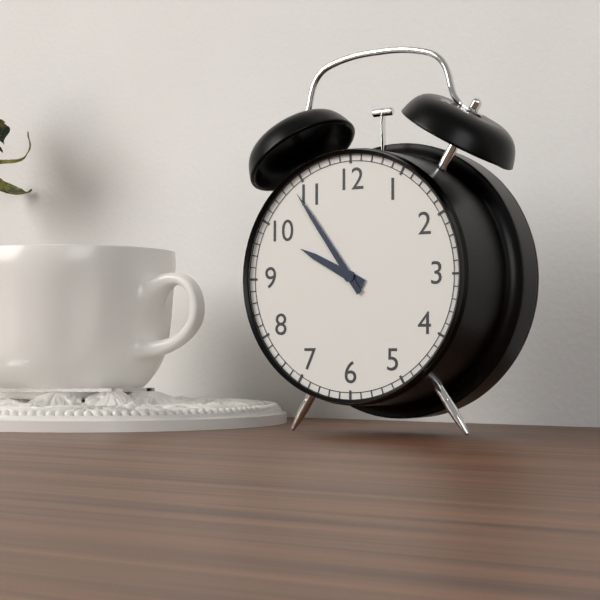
{"hour": 9, "minute": 54}
